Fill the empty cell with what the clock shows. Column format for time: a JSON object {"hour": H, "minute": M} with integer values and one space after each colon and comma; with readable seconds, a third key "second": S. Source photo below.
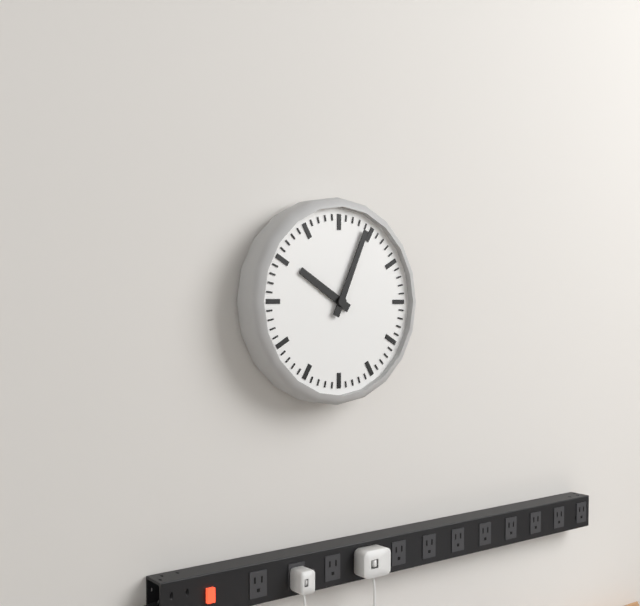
{"hour": 10, "minute": 4}
